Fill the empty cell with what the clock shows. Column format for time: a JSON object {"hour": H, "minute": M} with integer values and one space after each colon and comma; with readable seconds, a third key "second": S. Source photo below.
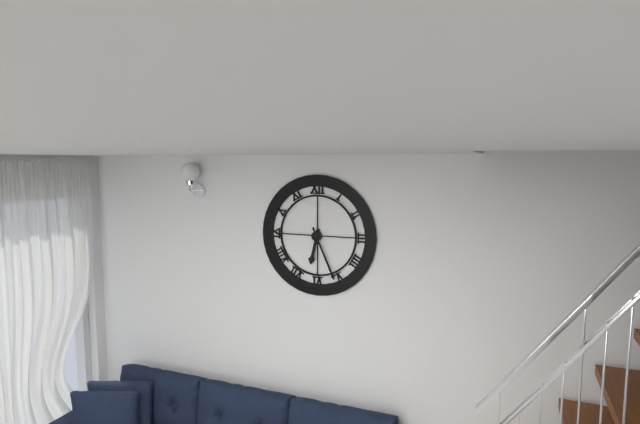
{"hour": 6, "minute": 26}
